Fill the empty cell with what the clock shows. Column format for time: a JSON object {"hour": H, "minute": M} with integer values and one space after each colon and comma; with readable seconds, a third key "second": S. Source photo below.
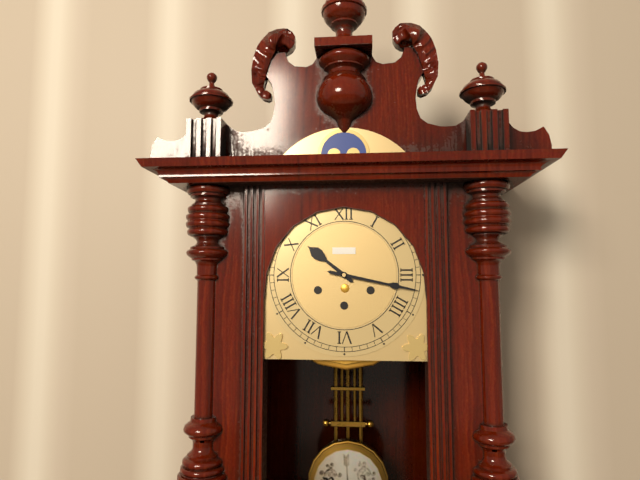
{"hour": 10, "minute": 17}
